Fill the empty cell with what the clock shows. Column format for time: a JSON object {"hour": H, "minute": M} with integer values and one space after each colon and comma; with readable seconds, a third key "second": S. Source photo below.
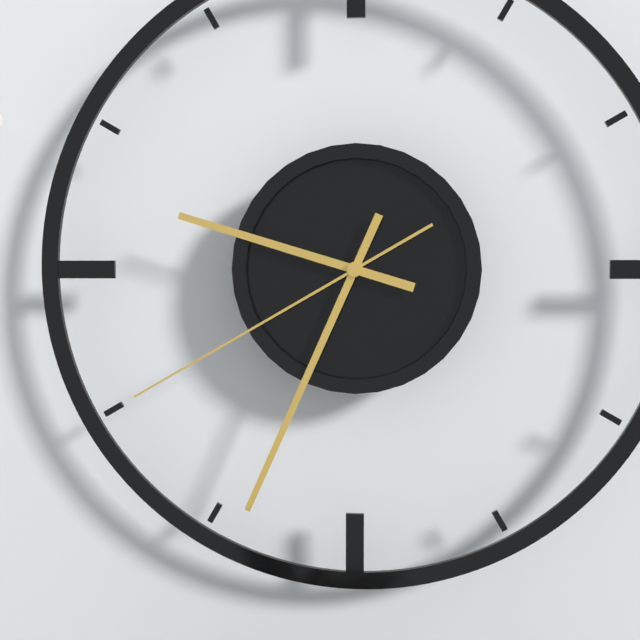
{"hour": 9, "minute": 34, "second": 40}
